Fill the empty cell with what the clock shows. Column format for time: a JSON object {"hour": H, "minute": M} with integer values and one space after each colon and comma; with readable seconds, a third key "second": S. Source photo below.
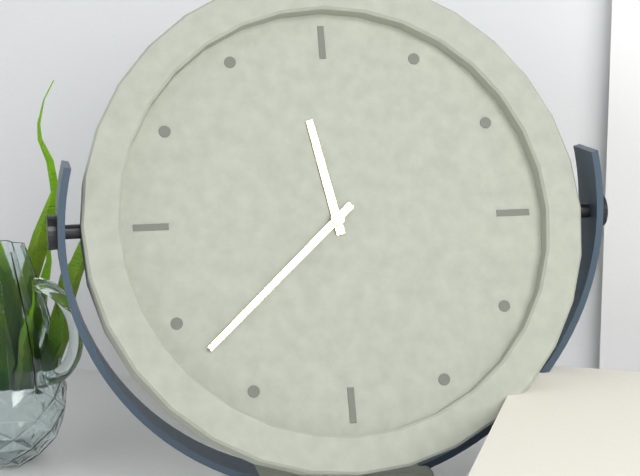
{"hour": 11, "minute": 38}
